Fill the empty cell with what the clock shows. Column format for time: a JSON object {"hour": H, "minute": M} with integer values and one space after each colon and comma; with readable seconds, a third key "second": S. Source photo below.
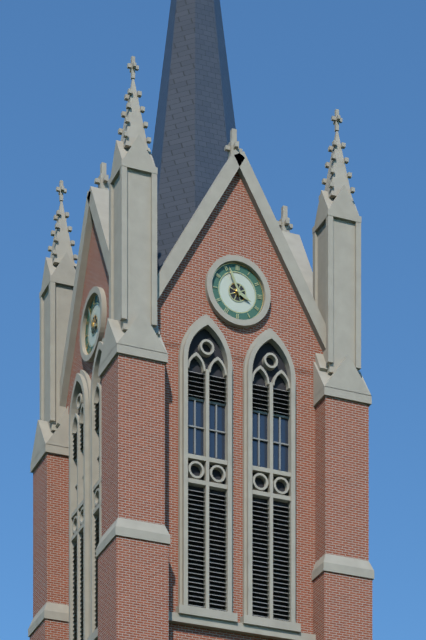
{"hour": 3, "minute": 56}
